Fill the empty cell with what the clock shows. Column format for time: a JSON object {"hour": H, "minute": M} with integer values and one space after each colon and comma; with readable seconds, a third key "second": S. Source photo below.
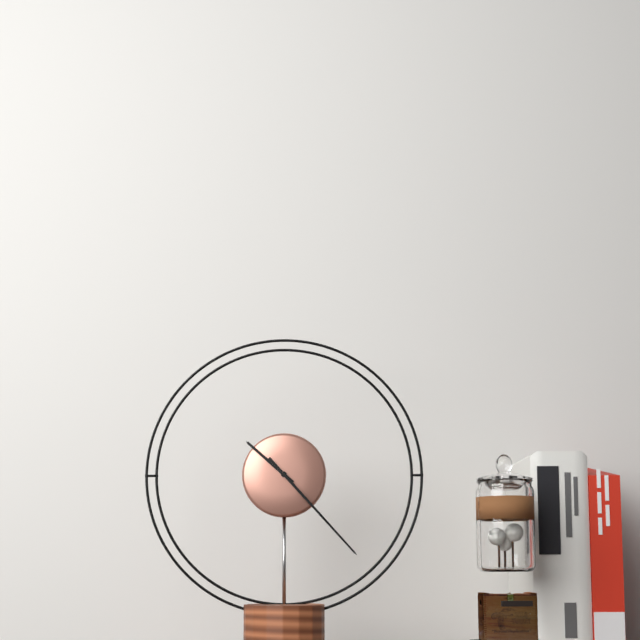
{"hour": 10, "minute": 23}
